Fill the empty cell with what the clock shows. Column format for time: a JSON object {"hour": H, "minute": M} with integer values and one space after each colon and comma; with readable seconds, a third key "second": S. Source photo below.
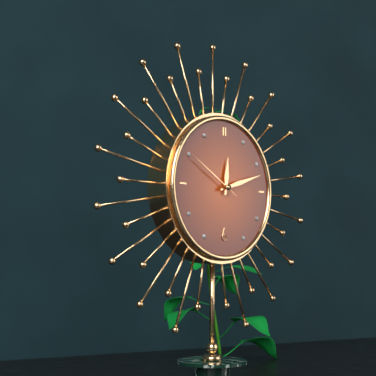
{"hour": 12, "minute": 12, "second": 50}
